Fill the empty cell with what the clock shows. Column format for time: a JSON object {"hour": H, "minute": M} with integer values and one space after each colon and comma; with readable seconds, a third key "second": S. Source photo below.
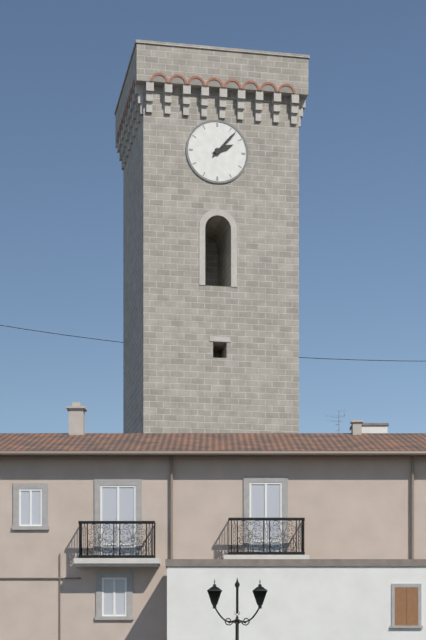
{"hour": 2, "minute": 7}
